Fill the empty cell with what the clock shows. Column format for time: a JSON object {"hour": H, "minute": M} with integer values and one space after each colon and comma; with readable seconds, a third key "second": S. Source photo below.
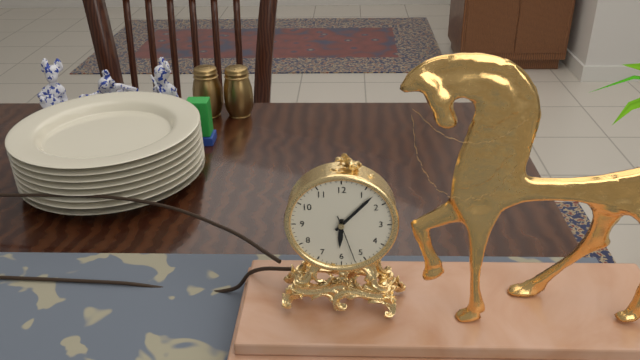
{"hour": 6, "minute": 7}
